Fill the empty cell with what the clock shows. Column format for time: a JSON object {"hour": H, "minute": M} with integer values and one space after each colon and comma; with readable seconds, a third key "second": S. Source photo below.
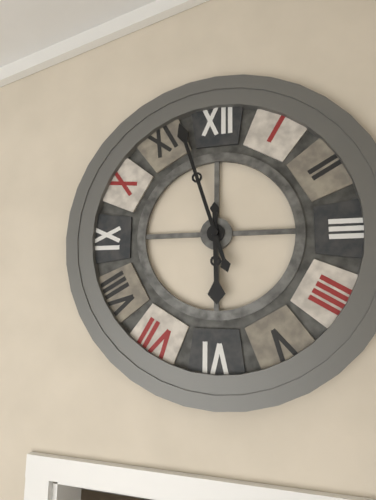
{"hour": 5, "minute": 57}
